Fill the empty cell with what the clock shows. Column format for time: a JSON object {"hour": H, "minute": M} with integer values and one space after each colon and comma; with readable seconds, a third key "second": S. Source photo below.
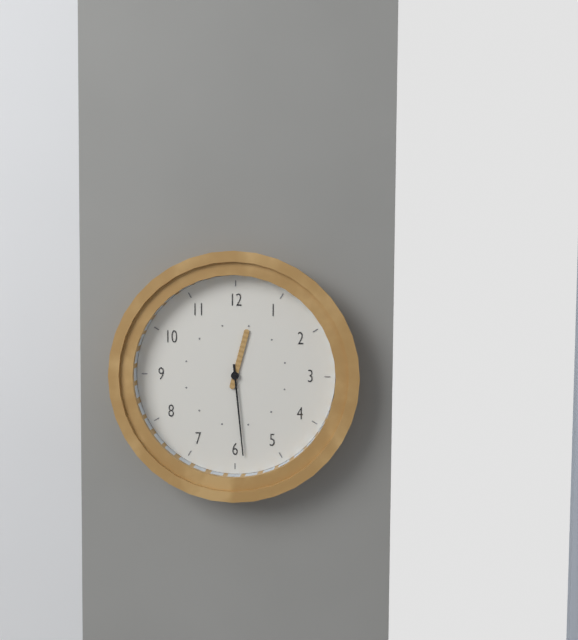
{"hour": 12, "minute": 29}
